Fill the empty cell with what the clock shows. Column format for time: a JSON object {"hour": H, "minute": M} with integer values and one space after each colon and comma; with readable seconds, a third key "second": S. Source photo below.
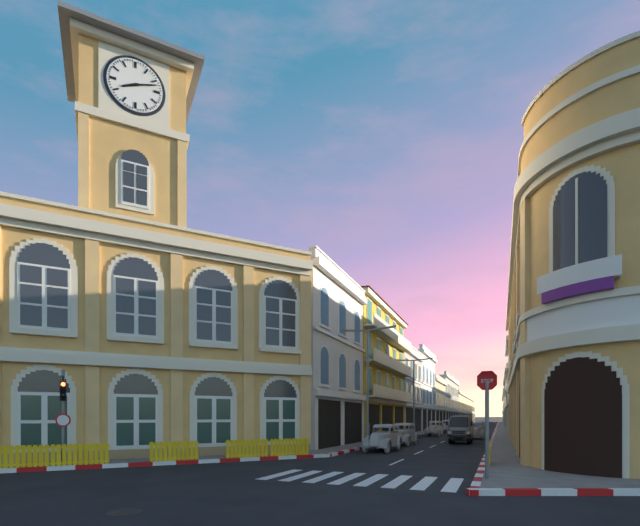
{"hour": 8, "minute": 12}
